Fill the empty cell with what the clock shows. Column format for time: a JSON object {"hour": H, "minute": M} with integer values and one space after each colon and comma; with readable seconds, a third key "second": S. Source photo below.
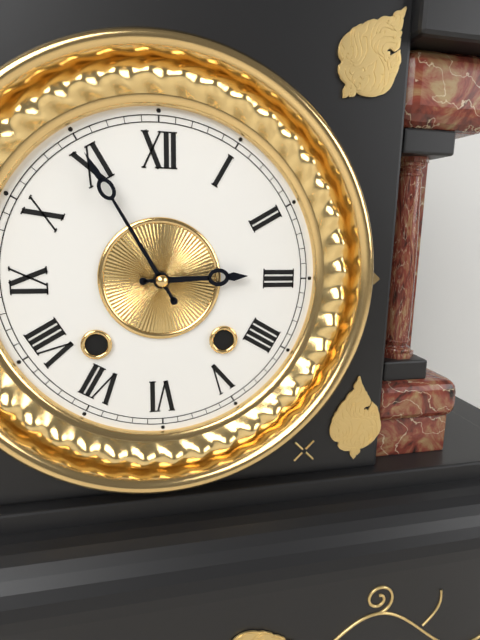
{"hour": 2, "minute": 55}
